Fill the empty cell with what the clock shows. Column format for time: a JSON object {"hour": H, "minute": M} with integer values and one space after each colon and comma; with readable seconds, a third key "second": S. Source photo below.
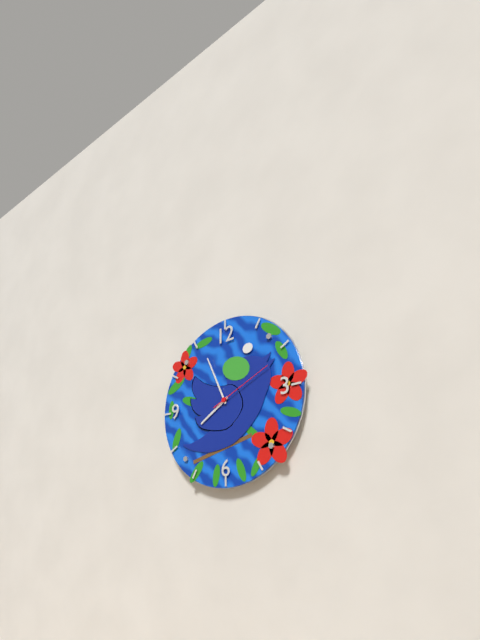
{"hour": 7, "minute": 56, "second": 11}
